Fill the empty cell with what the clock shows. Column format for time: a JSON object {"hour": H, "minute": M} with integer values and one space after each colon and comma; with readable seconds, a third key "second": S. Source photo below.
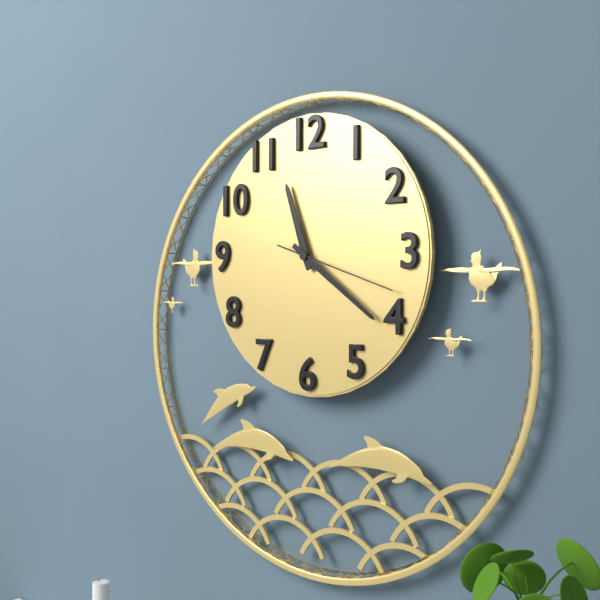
{"hour": 11, "minute": 21, "second": 18}
